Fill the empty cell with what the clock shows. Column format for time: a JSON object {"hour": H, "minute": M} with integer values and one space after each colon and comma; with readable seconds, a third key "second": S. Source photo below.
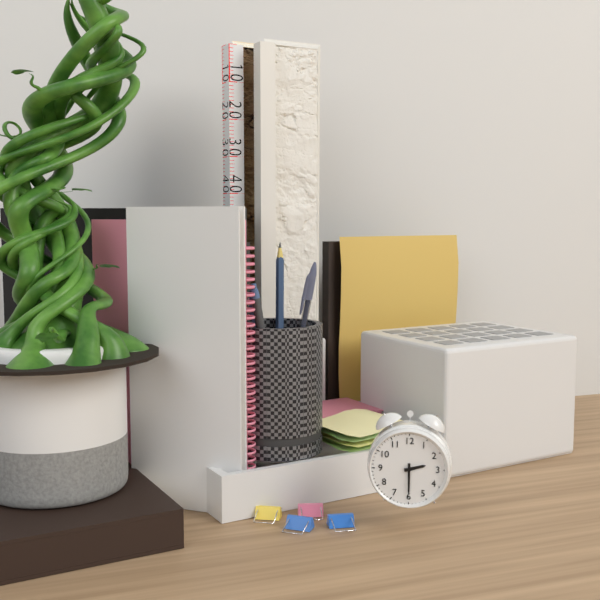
{"hour": 2, "minute": 30}
